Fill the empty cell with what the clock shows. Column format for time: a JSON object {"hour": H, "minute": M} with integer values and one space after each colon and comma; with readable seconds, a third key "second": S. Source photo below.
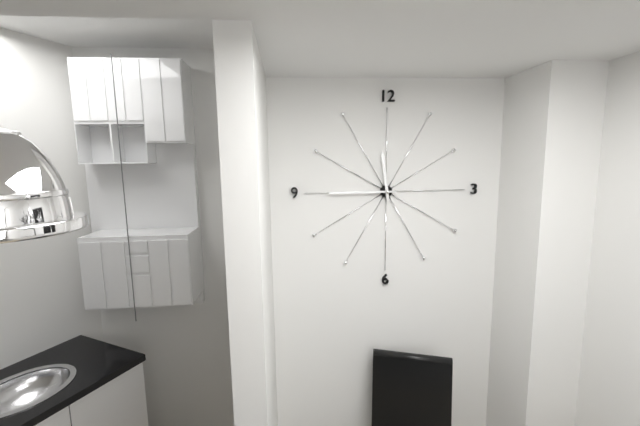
{"hour": 11, "minute": 45}
